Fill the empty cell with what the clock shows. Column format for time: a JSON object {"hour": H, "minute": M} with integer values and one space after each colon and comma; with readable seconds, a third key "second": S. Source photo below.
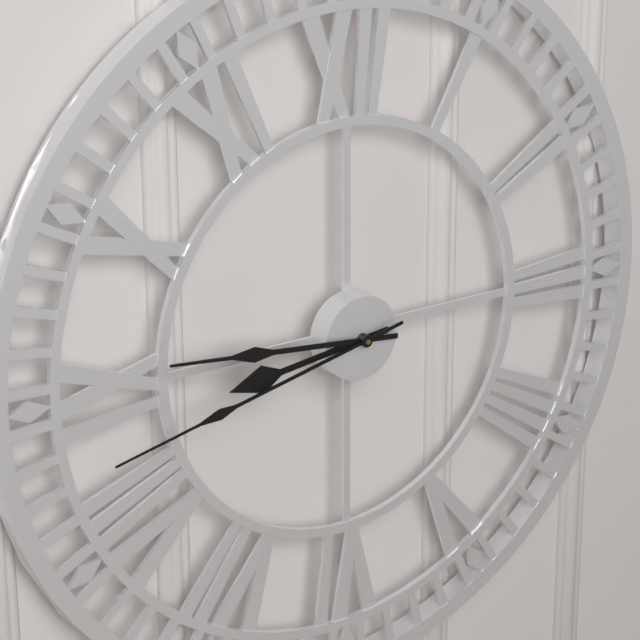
{"hour": 8, "minute": 46, "second": 43}
